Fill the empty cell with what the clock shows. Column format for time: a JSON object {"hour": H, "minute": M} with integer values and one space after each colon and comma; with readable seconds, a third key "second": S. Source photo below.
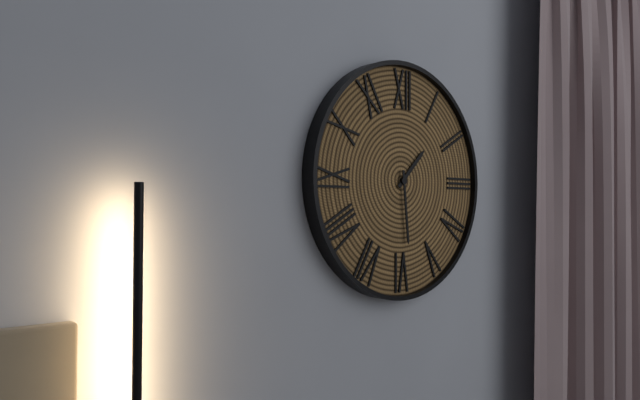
{"hour": 1, "minute": 29}
